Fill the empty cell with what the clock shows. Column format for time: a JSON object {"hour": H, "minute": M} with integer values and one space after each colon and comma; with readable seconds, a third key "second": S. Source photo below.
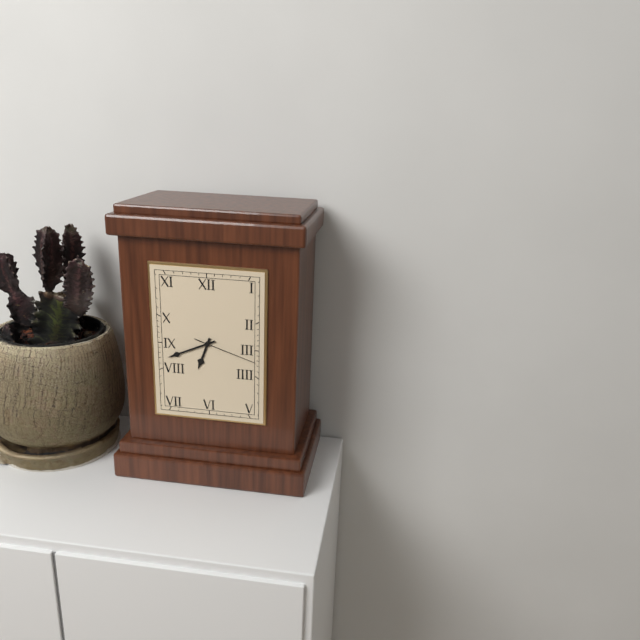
{"hour": 6, "minute": 41, "second": 18}
